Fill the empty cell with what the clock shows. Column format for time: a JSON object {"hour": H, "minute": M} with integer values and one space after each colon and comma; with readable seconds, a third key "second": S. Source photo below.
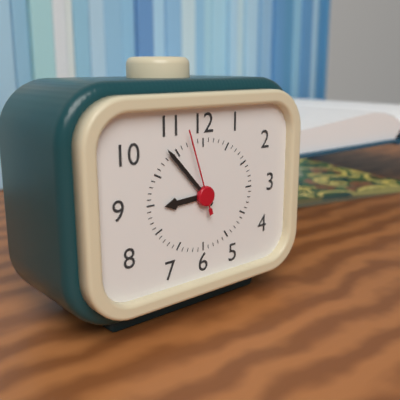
{"hour": 8, "minute": 53, "second": 57}
